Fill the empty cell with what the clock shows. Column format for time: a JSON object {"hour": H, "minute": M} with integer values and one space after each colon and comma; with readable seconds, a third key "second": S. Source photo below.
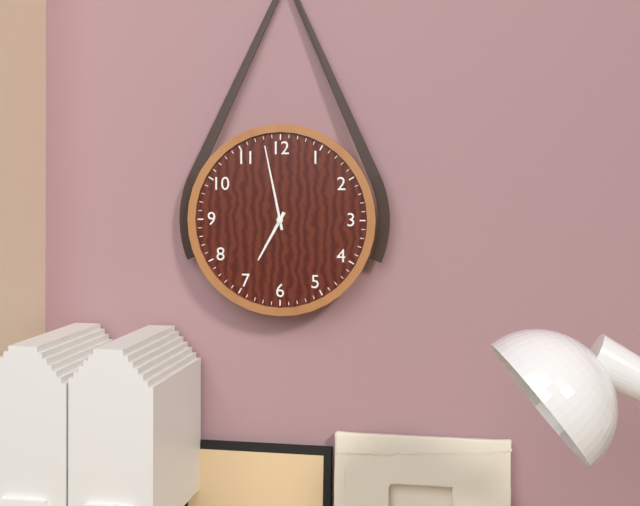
{"hour": 6, "minute": 58}
